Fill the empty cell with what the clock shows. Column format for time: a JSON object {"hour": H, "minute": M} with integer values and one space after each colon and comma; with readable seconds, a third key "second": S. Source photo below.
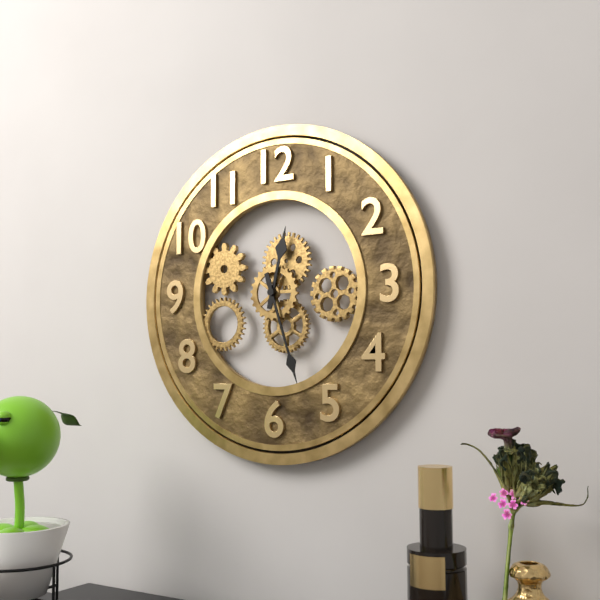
{"hour": 12, "minute": 27}
